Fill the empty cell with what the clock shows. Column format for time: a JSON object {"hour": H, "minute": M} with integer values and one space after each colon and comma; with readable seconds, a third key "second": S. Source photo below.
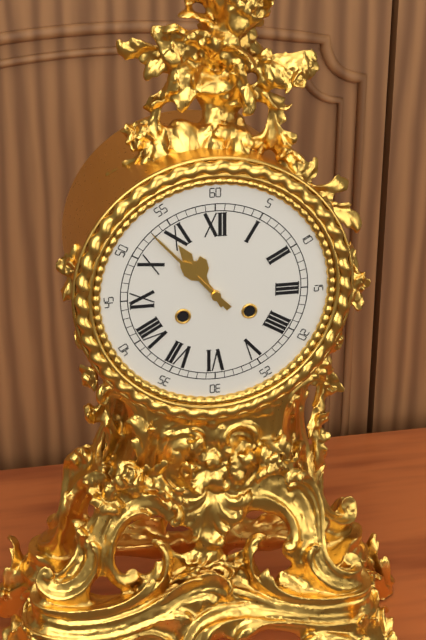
{"hour": 10, "minute": 53}
